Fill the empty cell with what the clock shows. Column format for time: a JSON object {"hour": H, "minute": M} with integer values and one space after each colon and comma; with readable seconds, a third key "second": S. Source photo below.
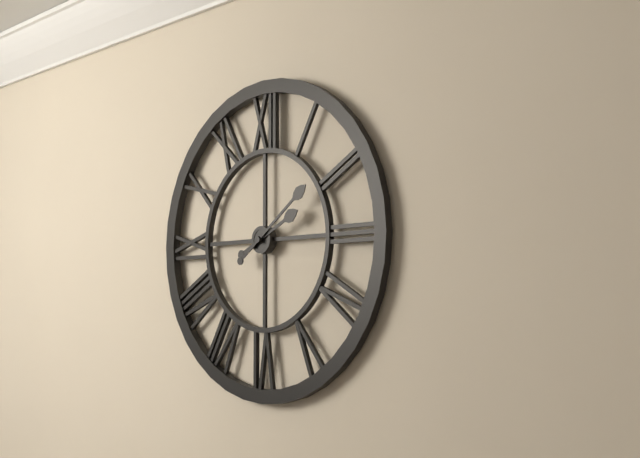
{"hour": 2, "minute": 9}
